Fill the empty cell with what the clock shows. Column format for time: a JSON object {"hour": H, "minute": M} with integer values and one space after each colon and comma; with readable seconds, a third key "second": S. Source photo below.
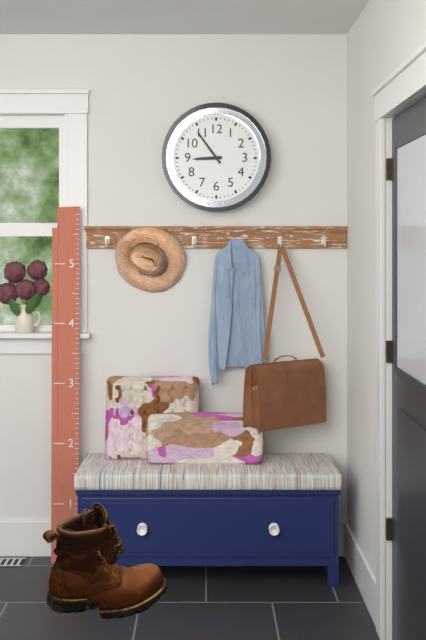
{"hour": 8, "minute": 54}
